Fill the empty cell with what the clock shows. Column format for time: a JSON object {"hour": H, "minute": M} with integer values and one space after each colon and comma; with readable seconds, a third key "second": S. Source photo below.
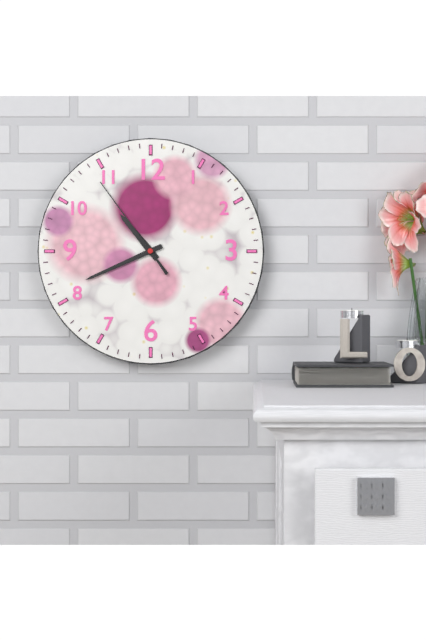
{"hour": 10, "minute": 41, "second": 54}
